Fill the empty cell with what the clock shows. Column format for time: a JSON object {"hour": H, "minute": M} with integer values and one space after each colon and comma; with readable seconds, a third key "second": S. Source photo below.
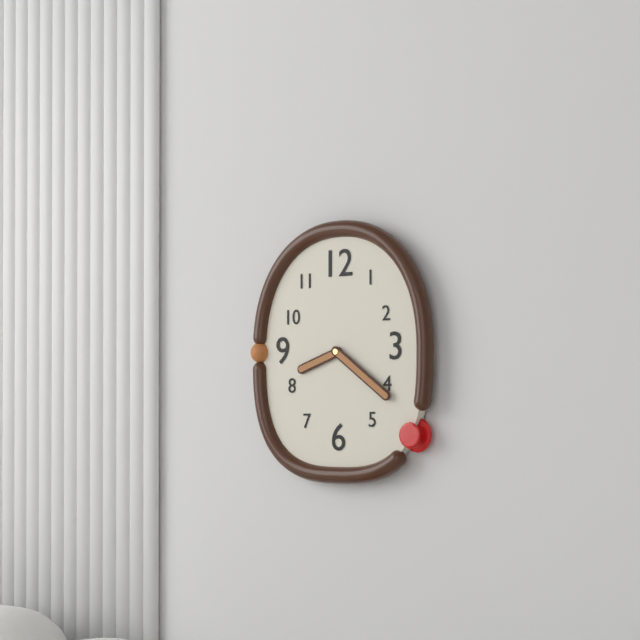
{"hour": 8, "minute": 21}
